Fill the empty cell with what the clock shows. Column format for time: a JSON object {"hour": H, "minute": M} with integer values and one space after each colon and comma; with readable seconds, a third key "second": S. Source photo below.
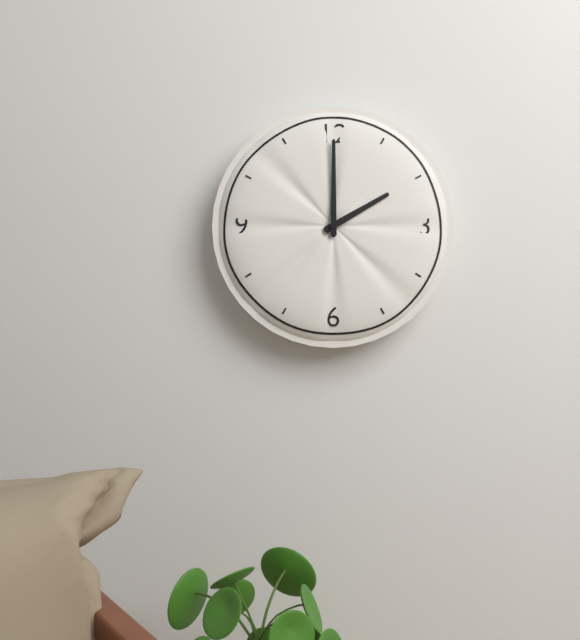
{"hour": 2, "minute": 0}
